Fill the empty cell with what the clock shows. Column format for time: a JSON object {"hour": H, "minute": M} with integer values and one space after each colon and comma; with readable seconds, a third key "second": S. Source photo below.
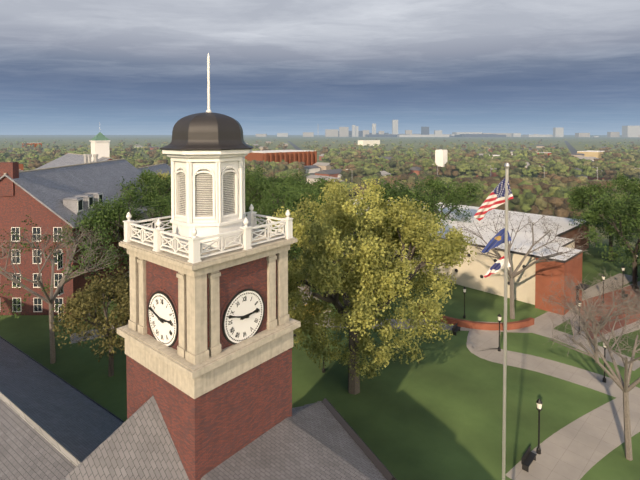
{"hour": 2, "minute": 48}
